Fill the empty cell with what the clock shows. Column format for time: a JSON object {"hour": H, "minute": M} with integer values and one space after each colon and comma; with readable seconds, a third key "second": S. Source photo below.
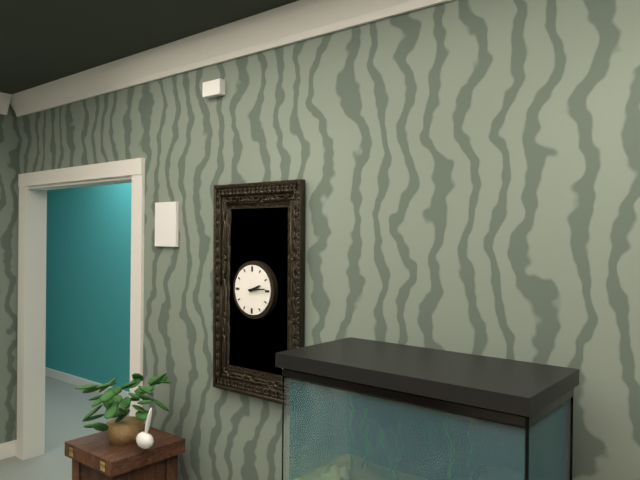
{"hour": 2, "minute": 14}
